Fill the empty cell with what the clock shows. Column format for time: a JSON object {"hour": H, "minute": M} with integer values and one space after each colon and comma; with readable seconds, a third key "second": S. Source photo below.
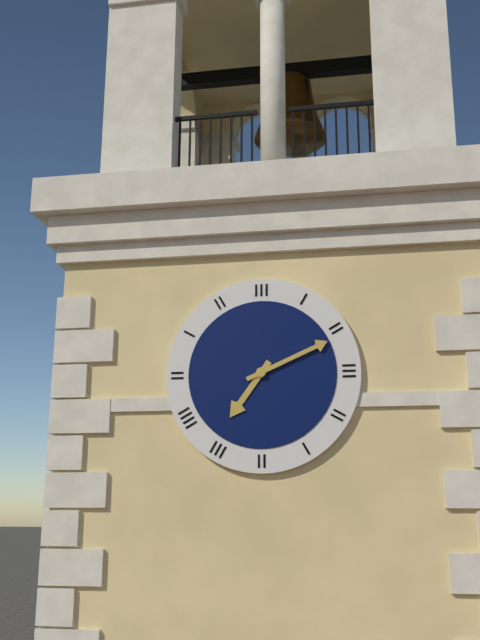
{"hour": 7, "minute": 11}
